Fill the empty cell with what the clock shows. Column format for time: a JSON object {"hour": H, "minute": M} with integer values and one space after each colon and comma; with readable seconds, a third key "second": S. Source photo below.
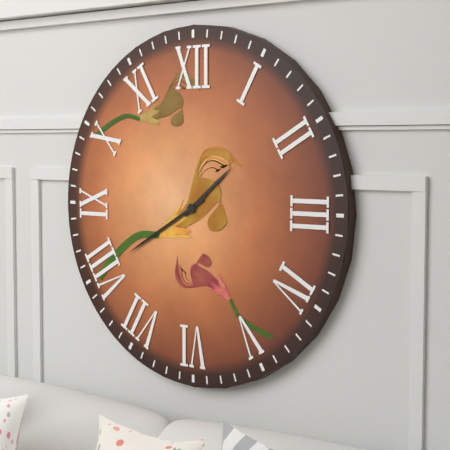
{"hour": 1, "minute": 40}
